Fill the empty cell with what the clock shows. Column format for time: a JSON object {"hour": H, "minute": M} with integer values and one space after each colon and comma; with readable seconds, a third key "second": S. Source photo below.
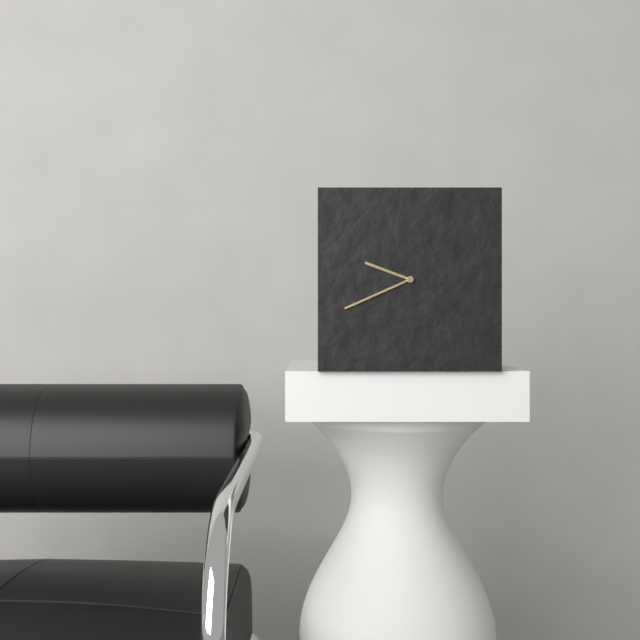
{"hour": 9, "minute": 41}
